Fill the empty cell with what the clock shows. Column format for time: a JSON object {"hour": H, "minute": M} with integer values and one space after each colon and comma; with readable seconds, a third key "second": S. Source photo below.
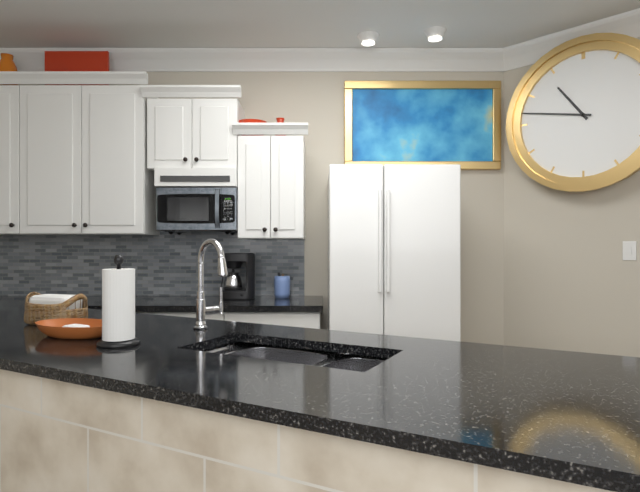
{"hour": 10, "minute": 47}
